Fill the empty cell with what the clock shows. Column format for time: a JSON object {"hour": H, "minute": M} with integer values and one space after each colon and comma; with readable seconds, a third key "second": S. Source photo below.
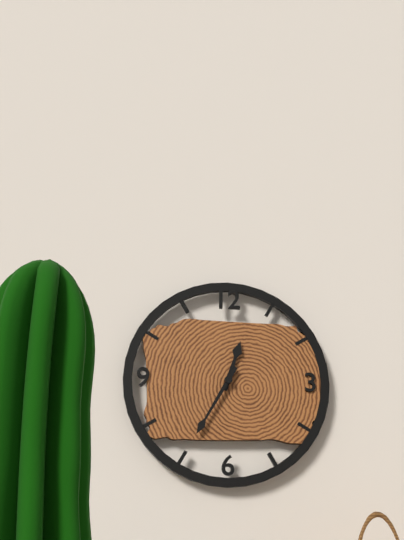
{"hour": 12, "minute": 35}
